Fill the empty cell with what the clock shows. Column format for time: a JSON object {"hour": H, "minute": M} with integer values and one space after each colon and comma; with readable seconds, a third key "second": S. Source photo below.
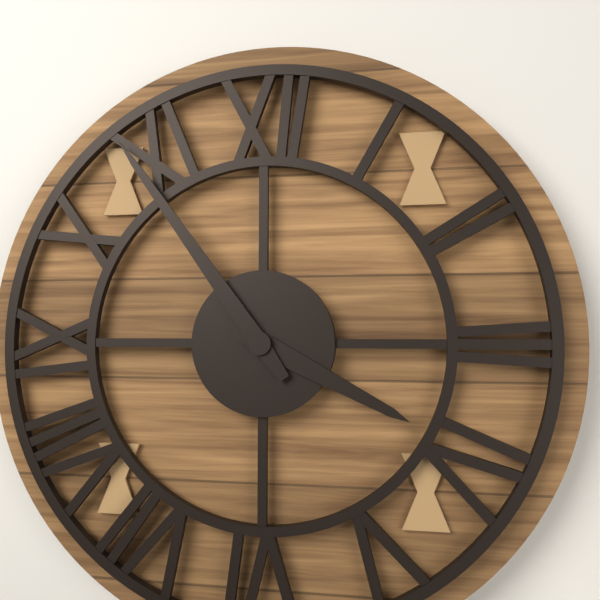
{"hour": 3, "minute": 54}
